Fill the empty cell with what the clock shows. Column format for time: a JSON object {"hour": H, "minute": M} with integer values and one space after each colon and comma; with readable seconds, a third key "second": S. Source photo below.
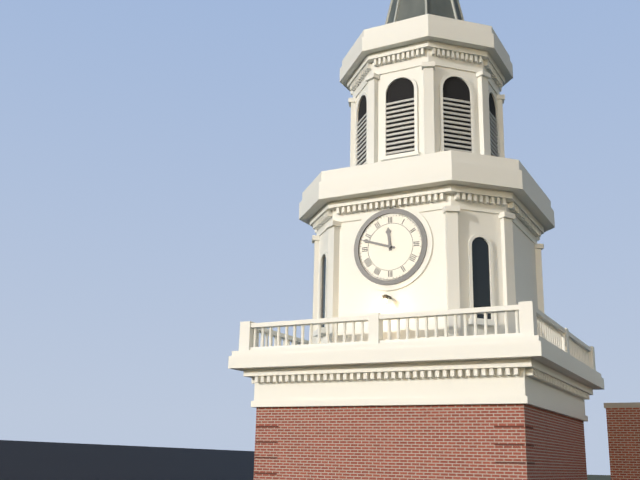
{"hour": 11, "minute": 48}
